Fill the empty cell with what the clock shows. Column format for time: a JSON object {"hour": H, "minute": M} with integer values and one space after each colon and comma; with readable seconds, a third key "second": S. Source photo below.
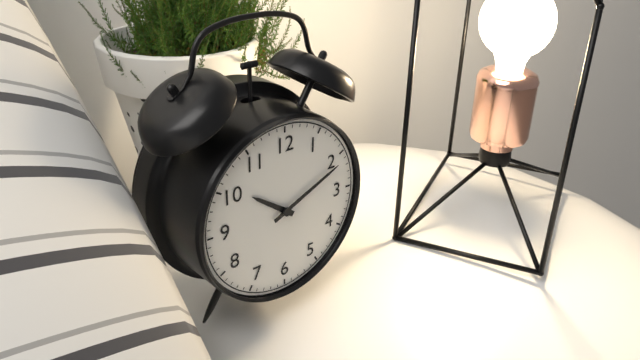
{"hour": 10, "minute": 11}
